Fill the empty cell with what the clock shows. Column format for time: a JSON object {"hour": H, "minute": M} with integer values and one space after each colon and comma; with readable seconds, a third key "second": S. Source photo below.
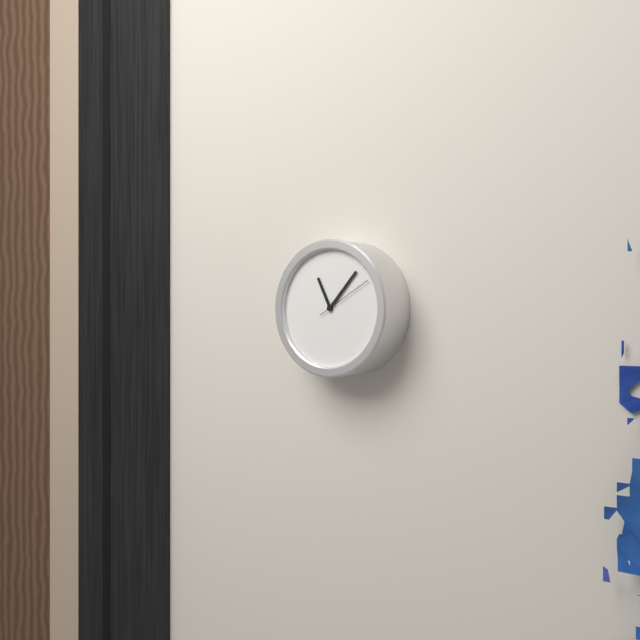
{"hour": 11, "minute": 7}
